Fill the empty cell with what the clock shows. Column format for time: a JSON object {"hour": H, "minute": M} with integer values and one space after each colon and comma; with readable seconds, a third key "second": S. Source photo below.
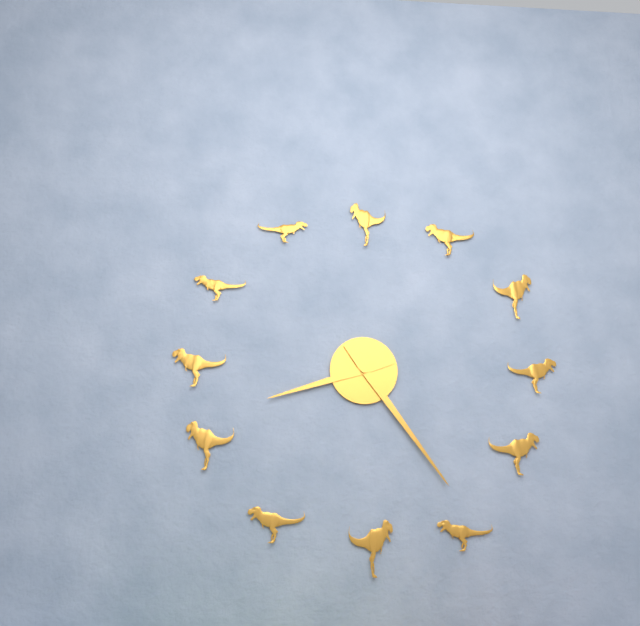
{"hour": 8, "minute": 24}
